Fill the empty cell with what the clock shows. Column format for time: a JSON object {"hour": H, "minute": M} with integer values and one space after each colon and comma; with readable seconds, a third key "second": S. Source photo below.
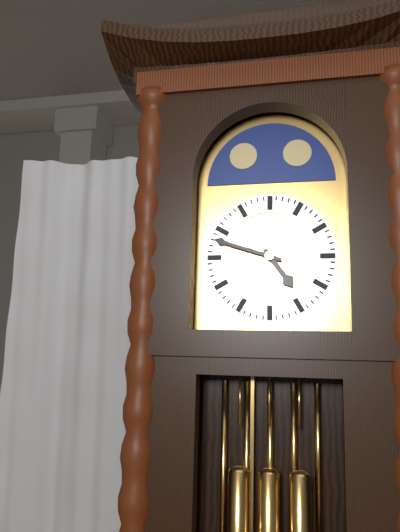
{"hour": 4, "minute": 48}
